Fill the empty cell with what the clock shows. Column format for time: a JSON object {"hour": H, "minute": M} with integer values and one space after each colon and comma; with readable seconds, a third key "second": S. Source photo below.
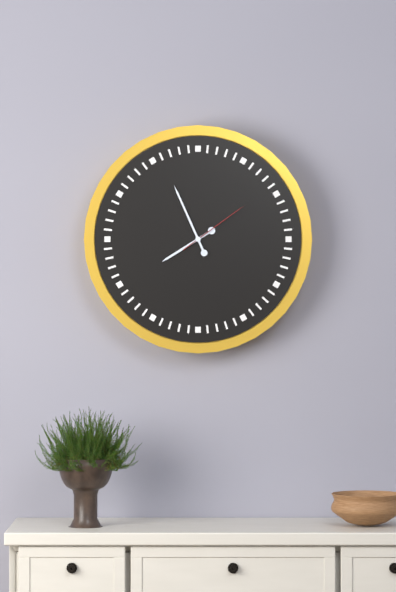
{"hour": 7, "minute": 56, "second": 9}
